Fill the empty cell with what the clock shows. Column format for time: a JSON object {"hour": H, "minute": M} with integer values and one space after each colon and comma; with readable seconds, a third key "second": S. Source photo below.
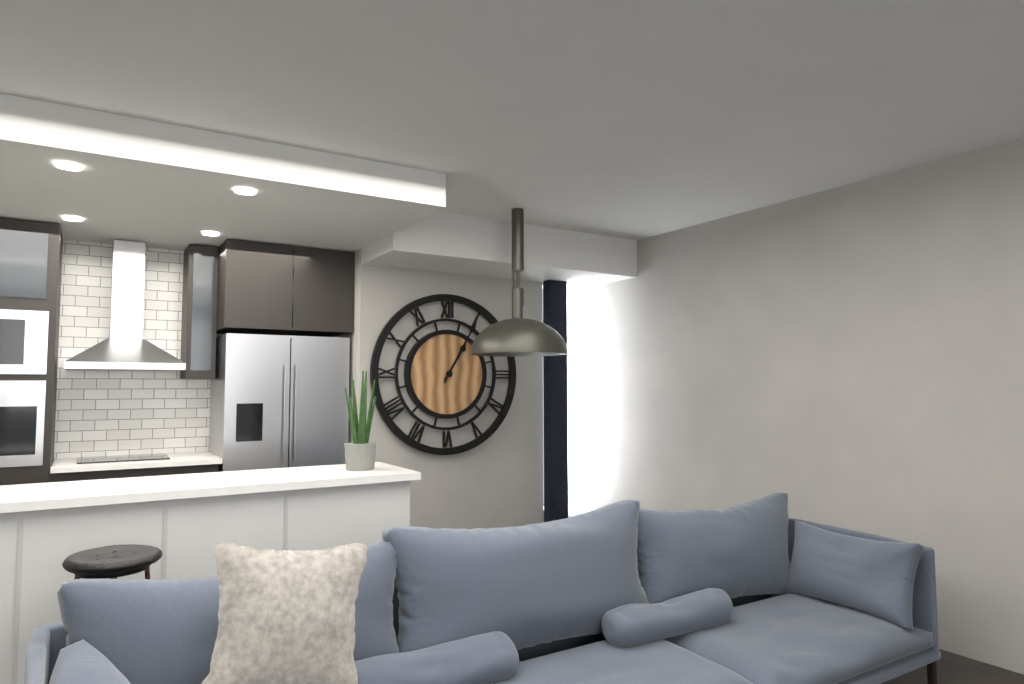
{"hour": 1, "minute": 5}
